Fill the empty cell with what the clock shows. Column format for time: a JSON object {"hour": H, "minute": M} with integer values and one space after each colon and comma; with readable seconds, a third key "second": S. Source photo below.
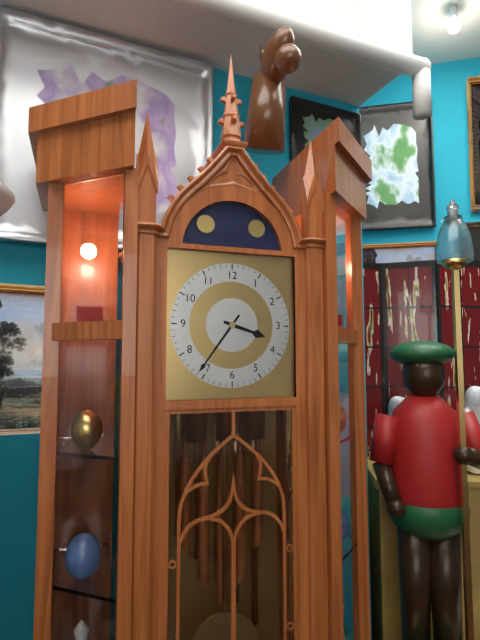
{"hour": 3, "minute": 36}
